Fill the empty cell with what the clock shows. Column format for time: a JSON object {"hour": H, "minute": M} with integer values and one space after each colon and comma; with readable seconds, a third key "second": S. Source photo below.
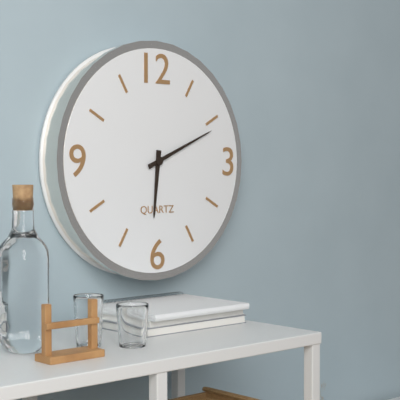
{"hour": 6, "minute": 11}
